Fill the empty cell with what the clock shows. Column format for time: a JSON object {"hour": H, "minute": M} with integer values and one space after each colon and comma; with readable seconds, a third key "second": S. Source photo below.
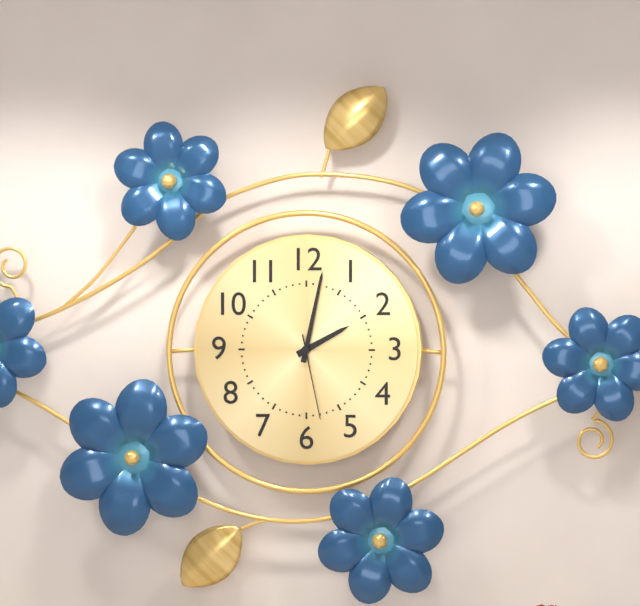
{"hour": 2, "minute": 2, "second": 28}
